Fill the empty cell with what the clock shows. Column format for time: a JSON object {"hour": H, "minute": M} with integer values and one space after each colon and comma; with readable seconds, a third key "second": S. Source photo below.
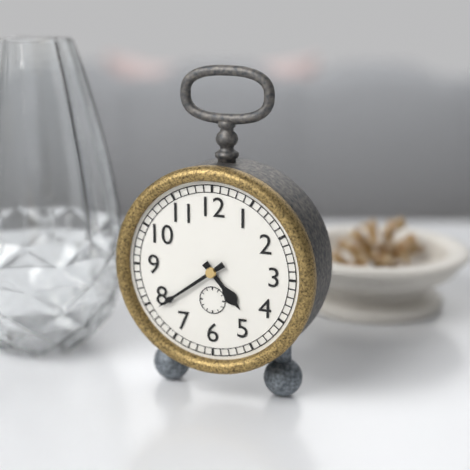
{"hour": 4, "minute": 39}
